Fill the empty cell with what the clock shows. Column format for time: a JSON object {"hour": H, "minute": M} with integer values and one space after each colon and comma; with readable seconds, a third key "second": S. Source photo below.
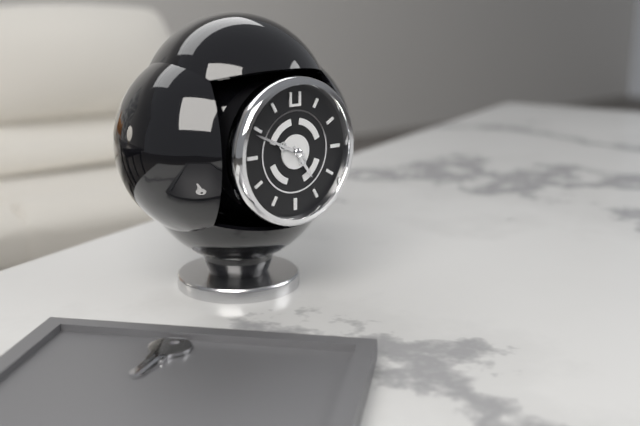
{"hour": 4, "minute": 49}
